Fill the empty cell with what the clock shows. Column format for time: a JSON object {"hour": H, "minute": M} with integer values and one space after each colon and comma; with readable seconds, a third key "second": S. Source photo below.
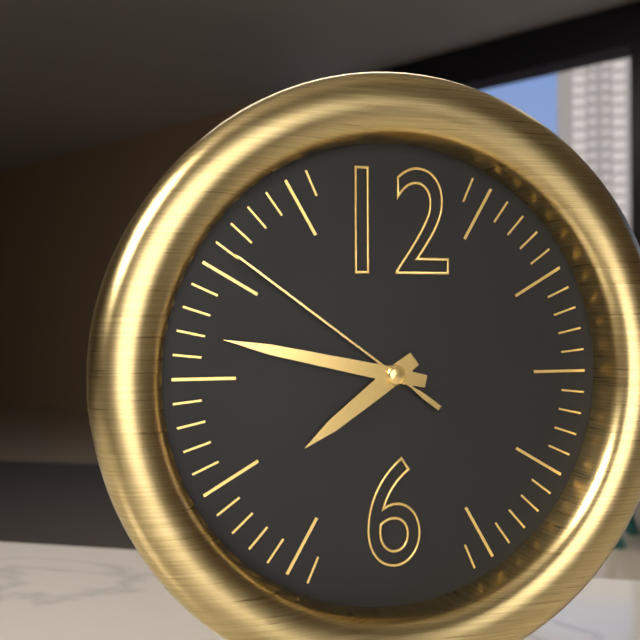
{"hour": 7, "minute": 47, "second": 51}
